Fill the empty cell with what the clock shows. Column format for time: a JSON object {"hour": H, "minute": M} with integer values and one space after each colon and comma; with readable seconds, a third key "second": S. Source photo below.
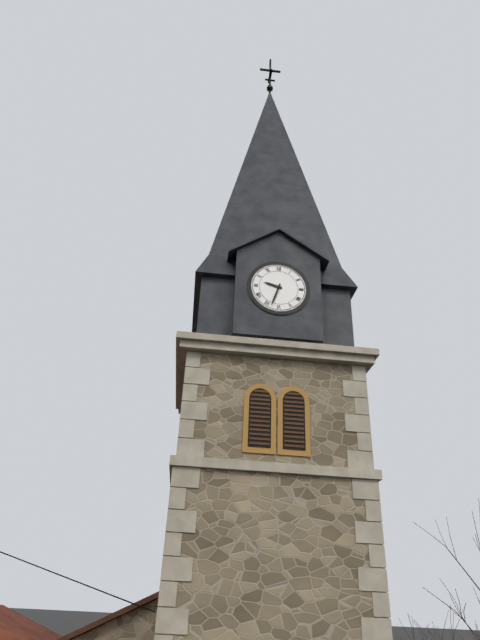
{"hour": 9, "minute": 33}
